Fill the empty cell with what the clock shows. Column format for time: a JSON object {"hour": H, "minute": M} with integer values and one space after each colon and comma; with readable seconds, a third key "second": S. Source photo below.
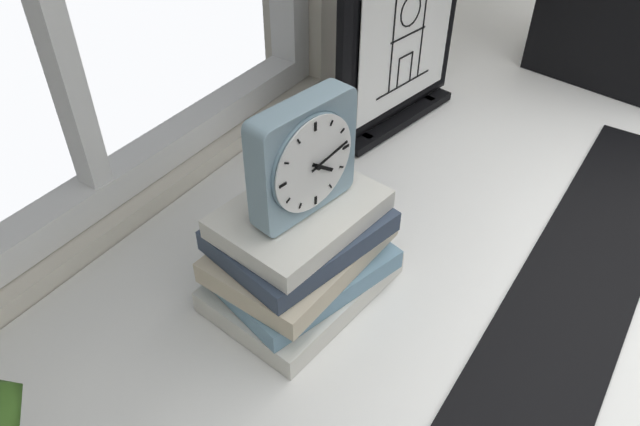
{"hour": 4, "minute": 13}
